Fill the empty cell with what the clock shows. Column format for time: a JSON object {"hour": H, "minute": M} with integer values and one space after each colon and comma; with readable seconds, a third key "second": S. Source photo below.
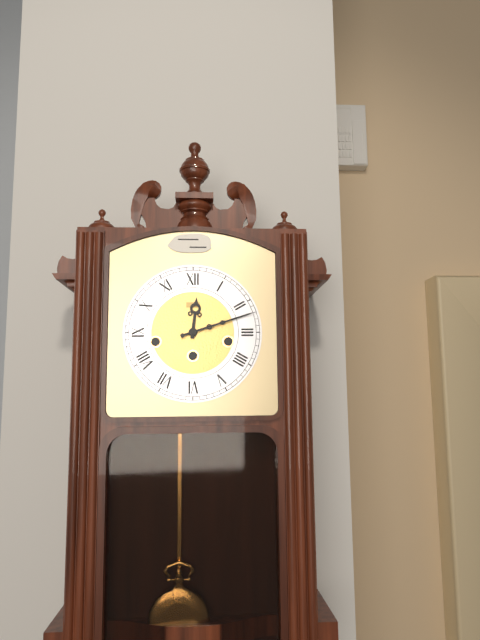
{"hour": 12, "minute": 12}
